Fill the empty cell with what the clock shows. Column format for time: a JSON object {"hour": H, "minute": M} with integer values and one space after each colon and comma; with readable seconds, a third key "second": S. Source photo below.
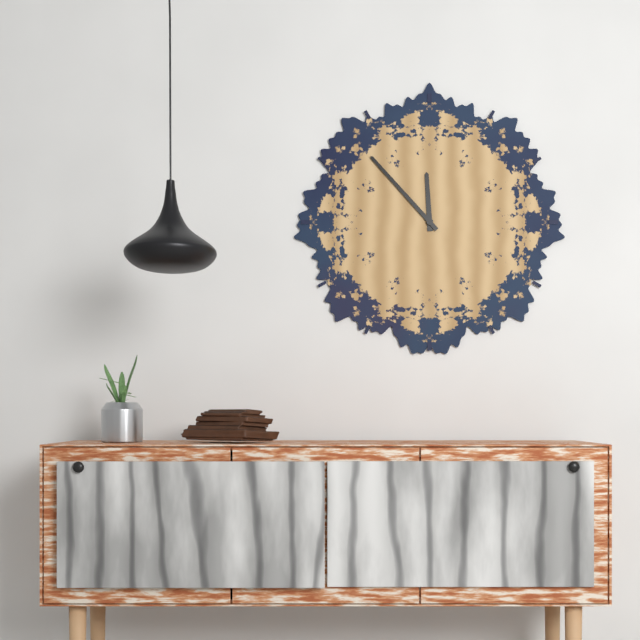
{"hour": 11, "minute": 53}
